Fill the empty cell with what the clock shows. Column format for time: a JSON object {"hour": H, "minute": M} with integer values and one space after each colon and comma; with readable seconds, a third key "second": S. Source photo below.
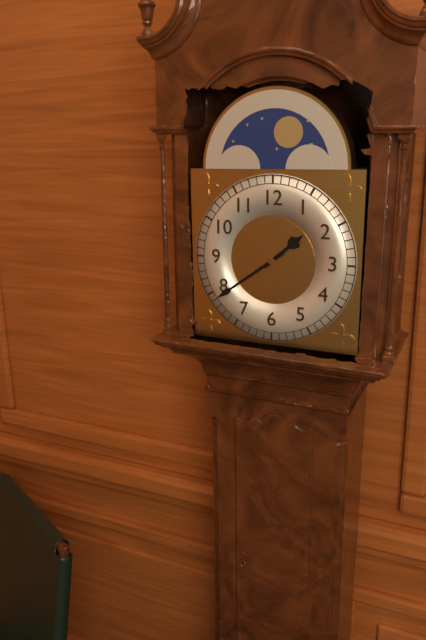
{"hour": 1, "minute": 39}
